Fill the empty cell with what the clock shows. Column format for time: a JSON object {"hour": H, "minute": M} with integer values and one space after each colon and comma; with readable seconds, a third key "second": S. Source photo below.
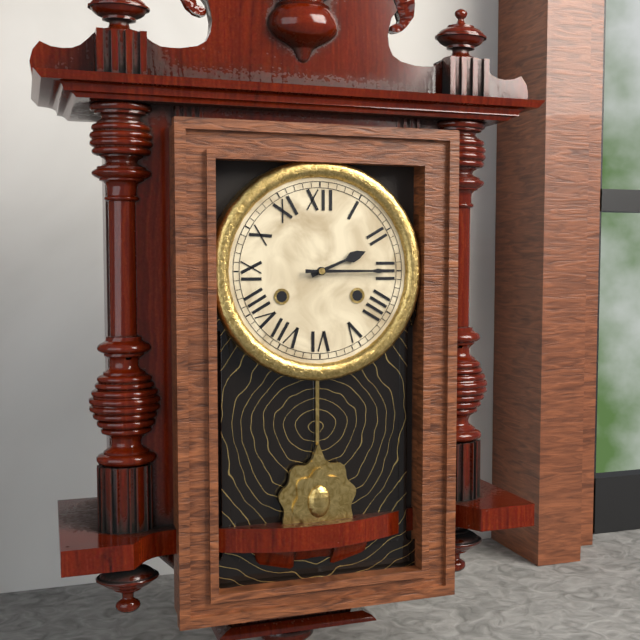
{"hour": 2, "minute": 15}
